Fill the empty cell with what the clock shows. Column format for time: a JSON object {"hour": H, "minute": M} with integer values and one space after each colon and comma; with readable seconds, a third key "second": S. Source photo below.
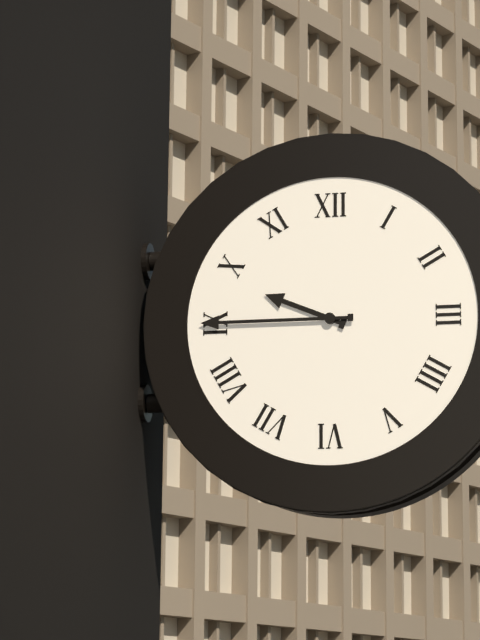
{"hour": 9, "minute": 45}
